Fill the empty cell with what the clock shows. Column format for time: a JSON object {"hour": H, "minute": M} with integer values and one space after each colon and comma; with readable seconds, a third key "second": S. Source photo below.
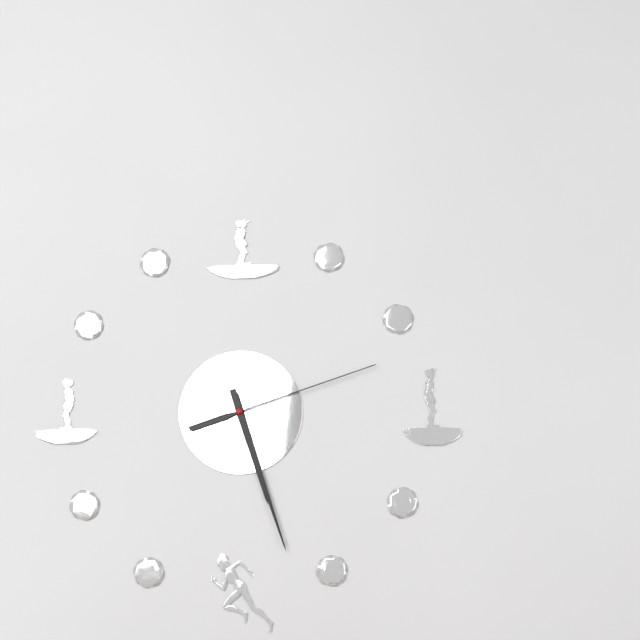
{"hour": 5, "minute": 27, "second": 12}
